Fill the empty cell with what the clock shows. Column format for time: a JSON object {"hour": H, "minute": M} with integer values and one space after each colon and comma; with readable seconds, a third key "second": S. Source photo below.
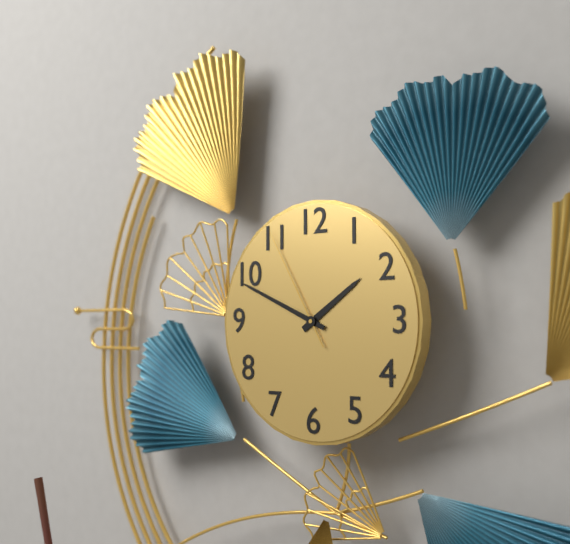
{"hour": 1, "minute": 49, "second": 55}
